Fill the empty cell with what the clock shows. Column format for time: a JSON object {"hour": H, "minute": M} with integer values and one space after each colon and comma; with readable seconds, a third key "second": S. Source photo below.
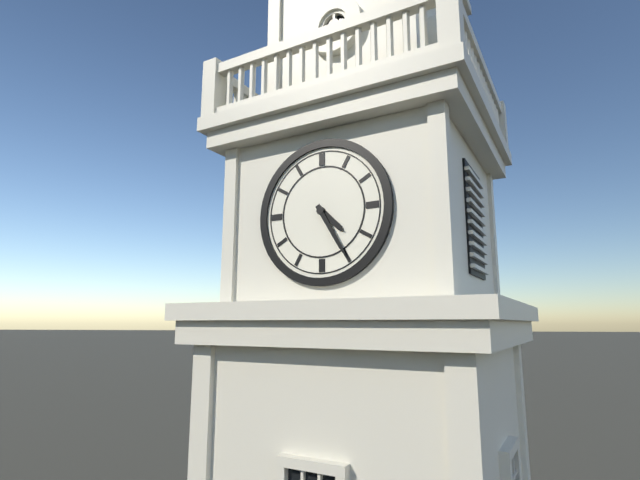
{"hour": 4, "minute": 25}
